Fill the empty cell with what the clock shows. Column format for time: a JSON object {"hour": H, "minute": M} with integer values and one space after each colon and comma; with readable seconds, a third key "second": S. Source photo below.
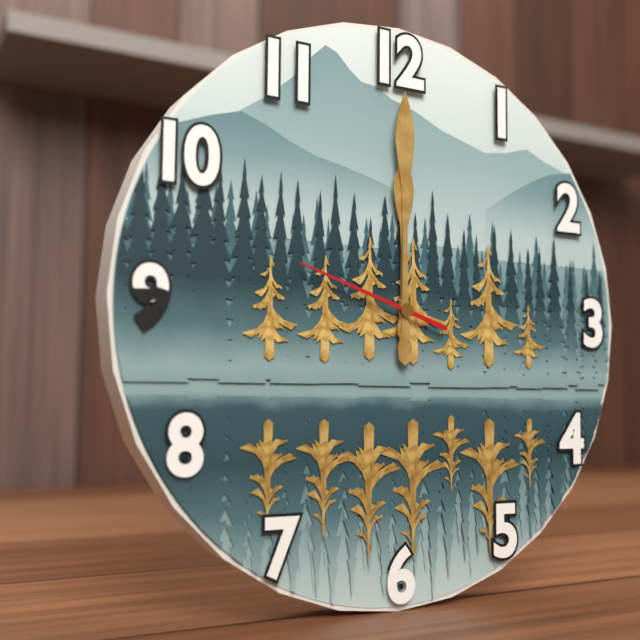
{"hour": 12, "minute": 0, "second": 48}
